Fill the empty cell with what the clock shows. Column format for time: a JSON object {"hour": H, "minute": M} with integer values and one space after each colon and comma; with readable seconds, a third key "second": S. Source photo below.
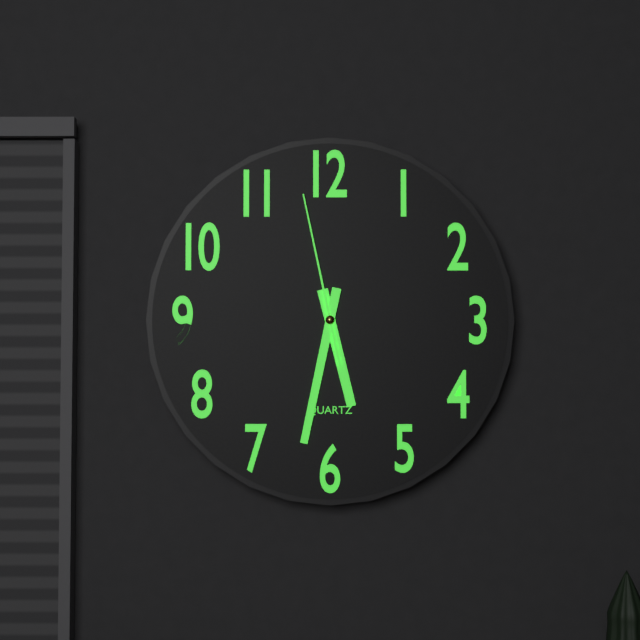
{"hour": 5, "minute": 32, "second": 58}
